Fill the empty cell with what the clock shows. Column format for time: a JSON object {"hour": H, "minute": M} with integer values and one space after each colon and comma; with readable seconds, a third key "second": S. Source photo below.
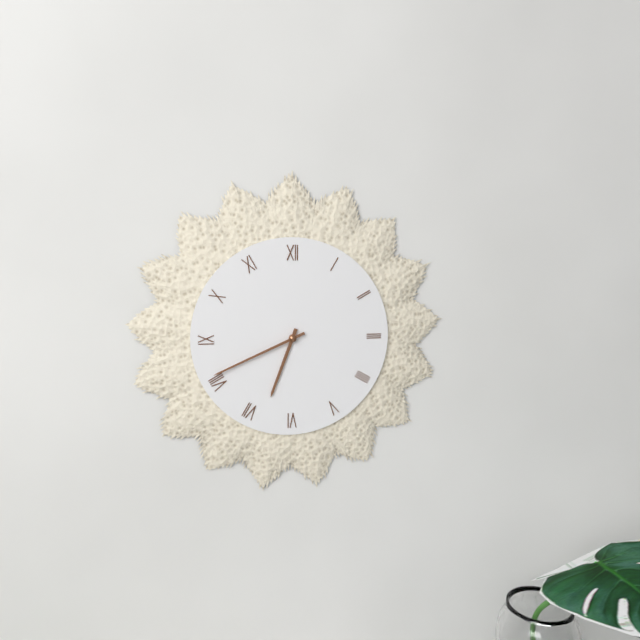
{"hour": 6, "minute": 41}
